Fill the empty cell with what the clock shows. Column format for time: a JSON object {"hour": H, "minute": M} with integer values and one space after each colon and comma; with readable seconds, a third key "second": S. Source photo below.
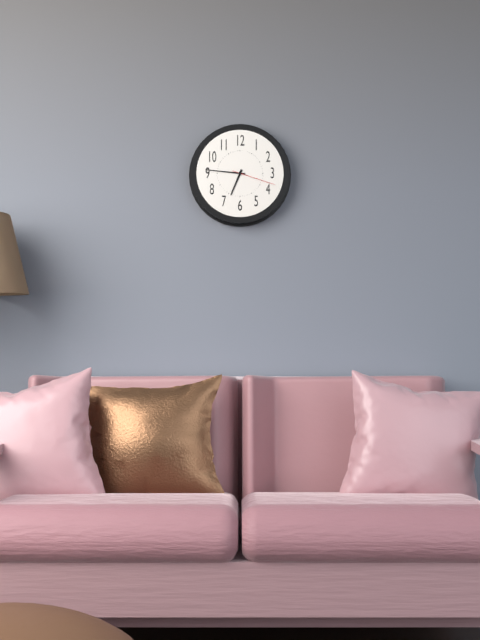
{"hour": 6, "minute": 46}
